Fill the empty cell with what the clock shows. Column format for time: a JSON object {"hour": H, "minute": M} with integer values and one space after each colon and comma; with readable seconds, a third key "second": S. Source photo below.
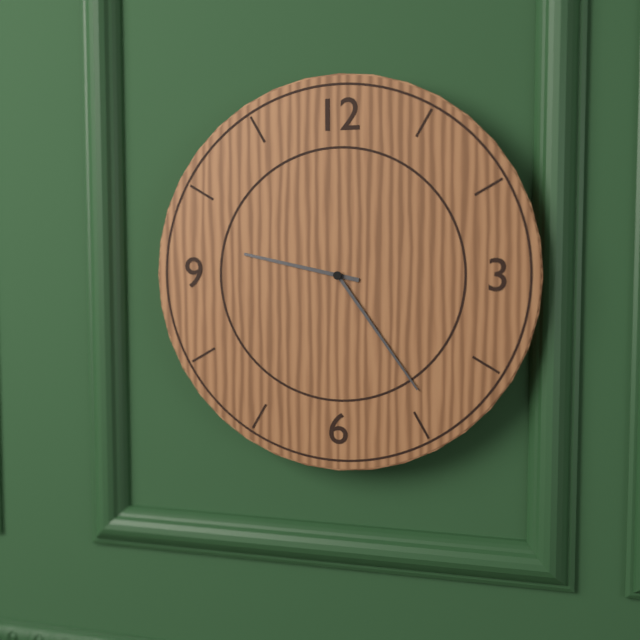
{"hour": 9, "minute": 24}
